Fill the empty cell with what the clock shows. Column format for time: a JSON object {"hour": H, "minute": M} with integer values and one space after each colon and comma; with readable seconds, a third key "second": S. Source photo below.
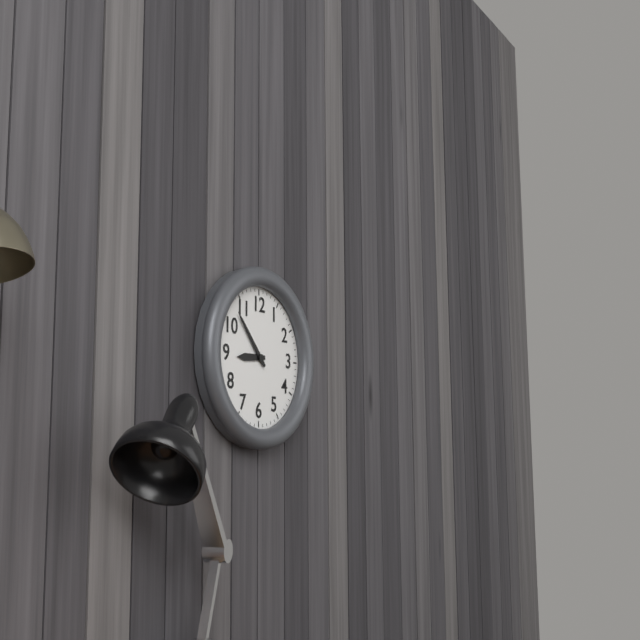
{"hour": 8, "minute": 53}
